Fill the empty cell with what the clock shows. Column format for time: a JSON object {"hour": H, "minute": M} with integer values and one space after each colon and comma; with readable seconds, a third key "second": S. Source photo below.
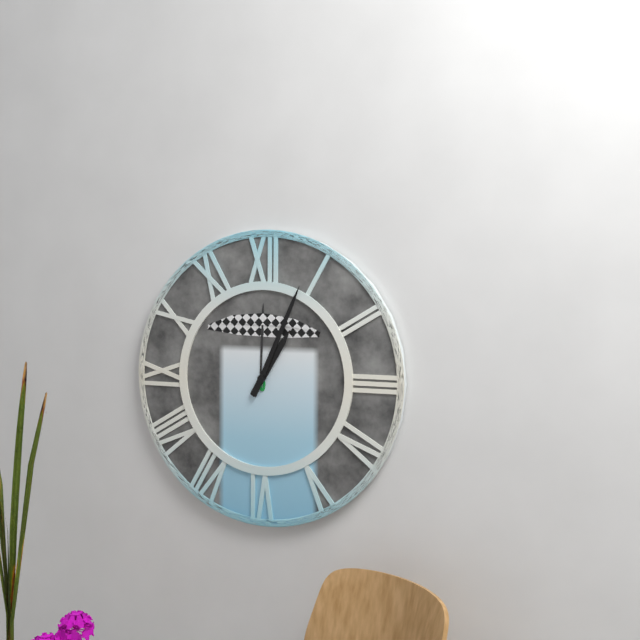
{"hour": 1, "minute": 4}
